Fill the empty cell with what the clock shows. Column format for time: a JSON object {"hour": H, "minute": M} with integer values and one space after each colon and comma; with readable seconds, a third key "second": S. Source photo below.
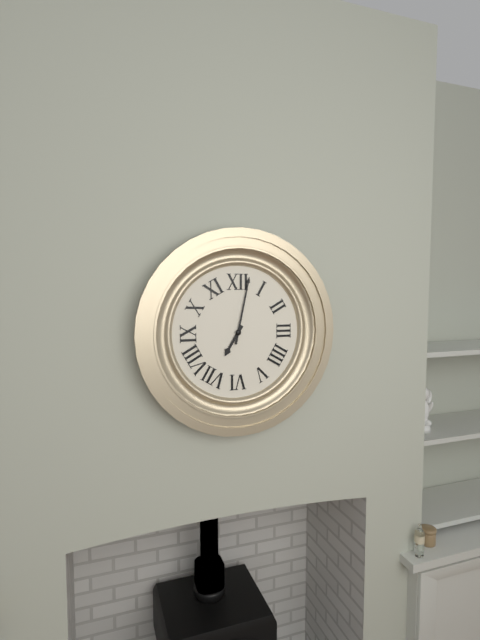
{"hour": 7, "minute": 2}
